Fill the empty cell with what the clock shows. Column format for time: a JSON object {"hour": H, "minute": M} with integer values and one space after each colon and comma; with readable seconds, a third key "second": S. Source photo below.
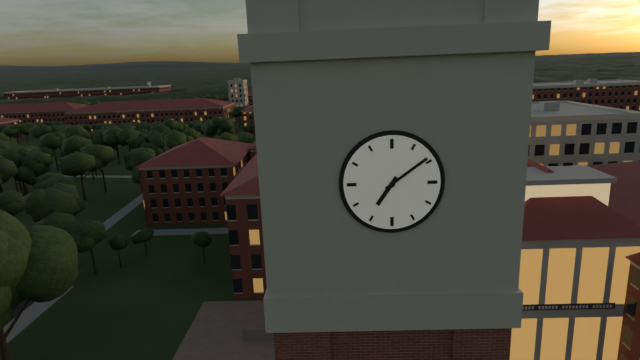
{"hour": 7, "minute": 9}
